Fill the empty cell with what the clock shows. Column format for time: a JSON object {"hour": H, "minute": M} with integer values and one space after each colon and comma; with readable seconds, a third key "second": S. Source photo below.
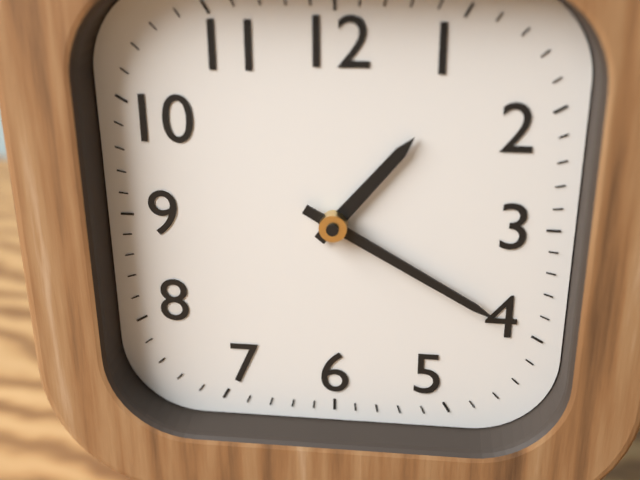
{"hour": 1, "minute": 20}
